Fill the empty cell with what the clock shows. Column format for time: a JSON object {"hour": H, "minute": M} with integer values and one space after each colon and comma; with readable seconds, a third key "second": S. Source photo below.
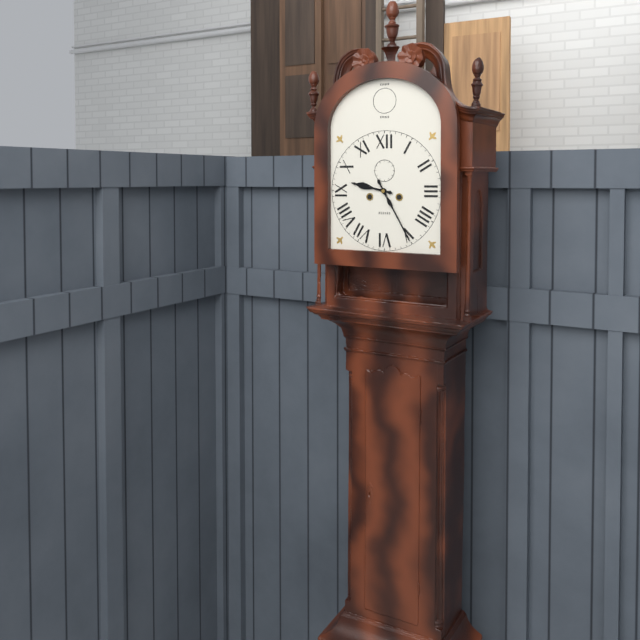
{"hour": 9, "minute": 25}
